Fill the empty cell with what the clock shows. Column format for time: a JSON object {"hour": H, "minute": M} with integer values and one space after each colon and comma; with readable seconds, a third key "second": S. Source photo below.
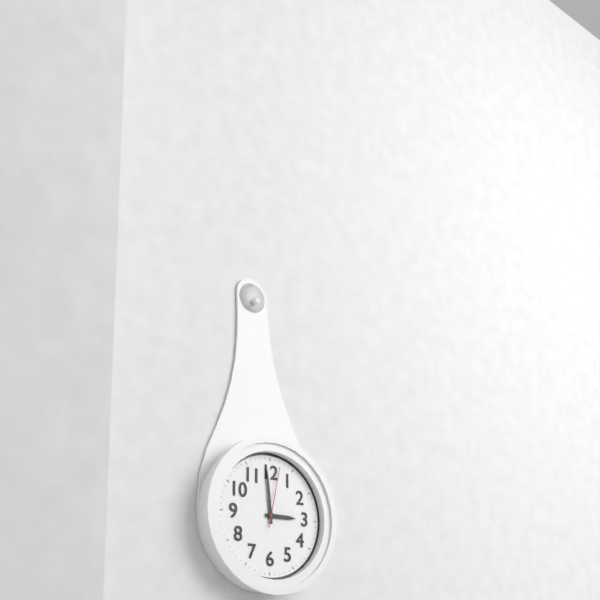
{"hour": 2, "minute": 59, "second": 2}
